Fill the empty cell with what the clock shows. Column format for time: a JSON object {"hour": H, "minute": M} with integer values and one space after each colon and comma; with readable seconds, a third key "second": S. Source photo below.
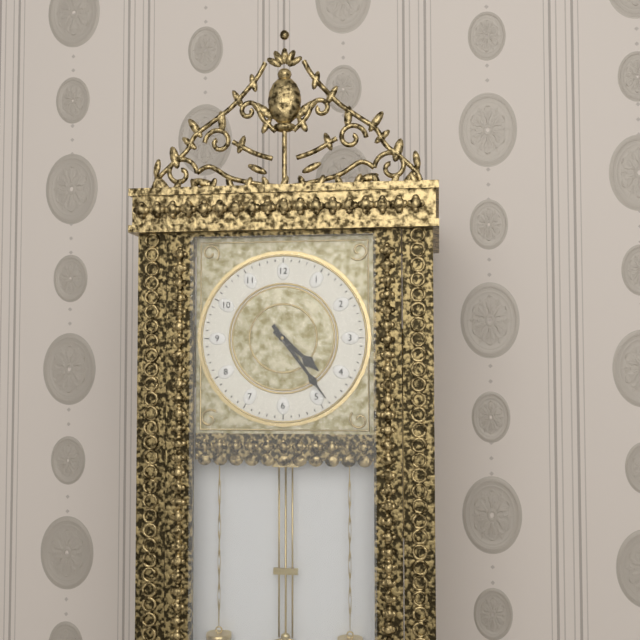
{"hour": 4, "minute": 24}
